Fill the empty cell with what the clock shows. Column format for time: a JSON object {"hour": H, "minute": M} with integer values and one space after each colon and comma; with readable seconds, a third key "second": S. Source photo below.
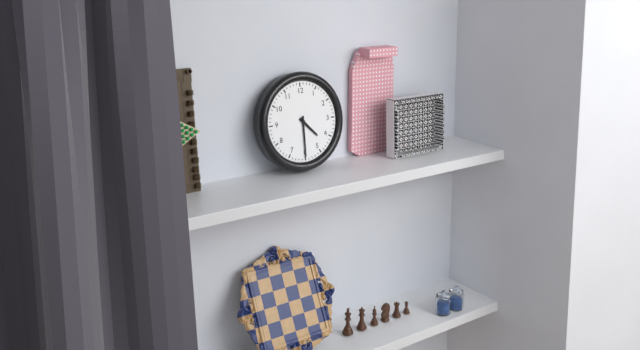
{"hour": 4, "minute": 30}
